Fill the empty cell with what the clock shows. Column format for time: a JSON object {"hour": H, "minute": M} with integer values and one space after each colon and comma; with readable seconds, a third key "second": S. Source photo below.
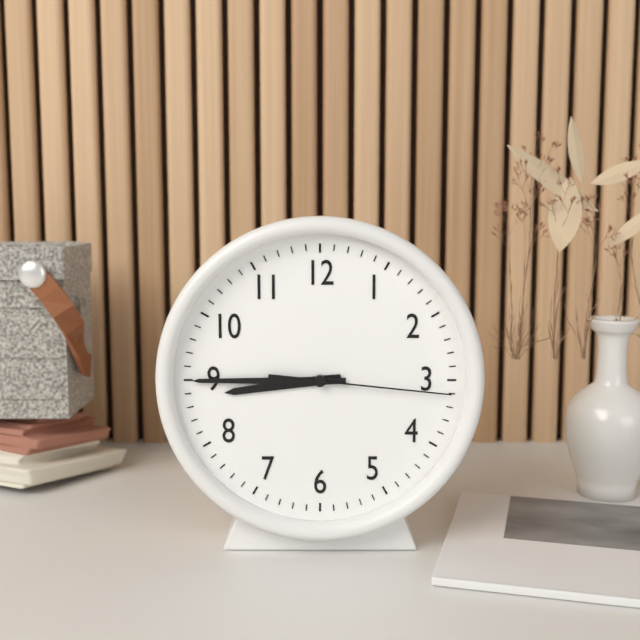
{"hour": 8, "minute": 45, "second": 16}
